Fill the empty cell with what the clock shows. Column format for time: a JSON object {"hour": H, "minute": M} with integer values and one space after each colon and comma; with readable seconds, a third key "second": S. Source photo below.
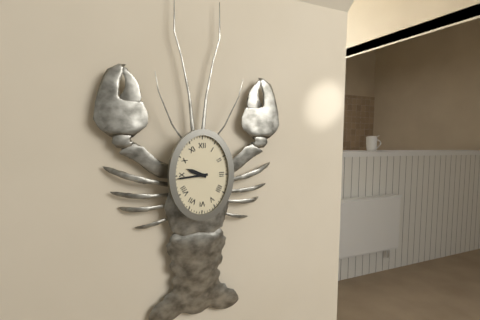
{"hour": 9, "minute": 44}
